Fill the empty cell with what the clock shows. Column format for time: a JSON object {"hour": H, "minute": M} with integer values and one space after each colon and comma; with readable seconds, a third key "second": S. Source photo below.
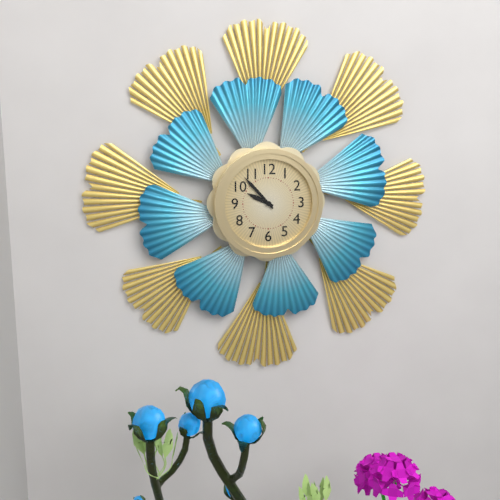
{"hour": 9, "minute": 53}
